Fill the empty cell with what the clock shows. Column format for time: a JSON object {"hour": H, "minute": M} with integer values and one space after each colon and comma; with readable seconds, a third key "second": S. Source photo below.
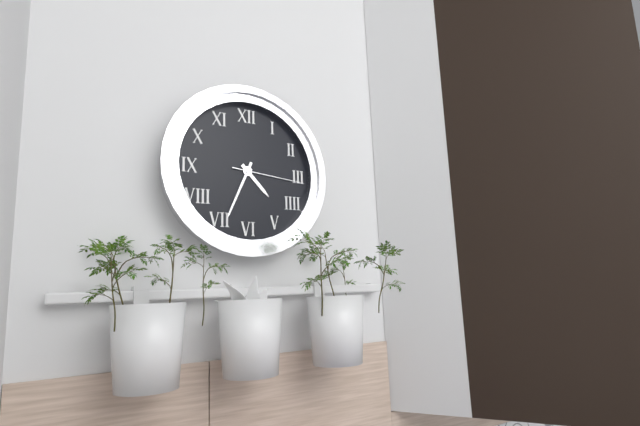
{"hour": 4, "minute": 34, "second": 16}
